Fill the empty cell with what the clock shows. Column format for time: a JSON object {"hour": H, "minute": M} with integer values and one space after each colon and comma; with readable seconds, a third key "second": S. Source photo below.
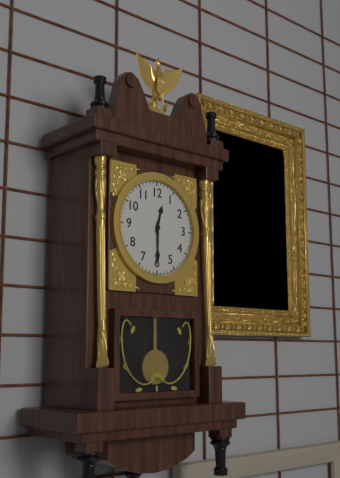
{"hour": 12, "minute": 30}
